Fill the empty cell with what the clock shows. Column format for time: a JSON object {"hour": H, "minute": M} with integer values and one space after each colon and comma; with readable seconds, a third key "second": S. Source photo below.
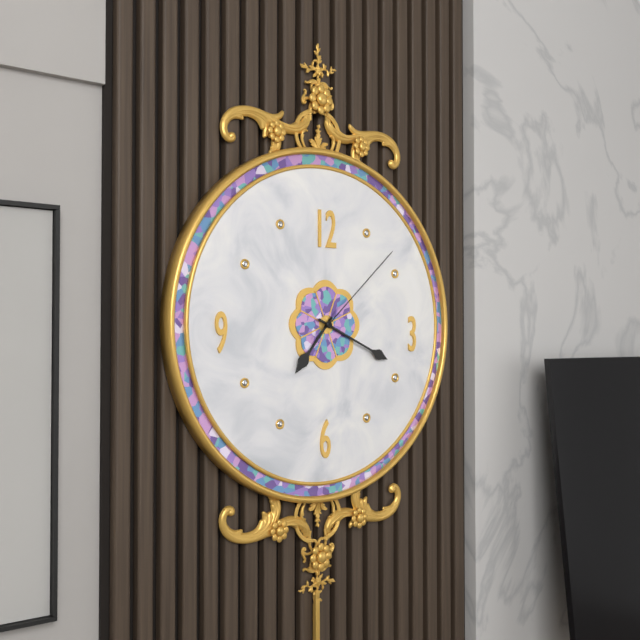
{"hour": 7, "minute": 19, "second": 8}
